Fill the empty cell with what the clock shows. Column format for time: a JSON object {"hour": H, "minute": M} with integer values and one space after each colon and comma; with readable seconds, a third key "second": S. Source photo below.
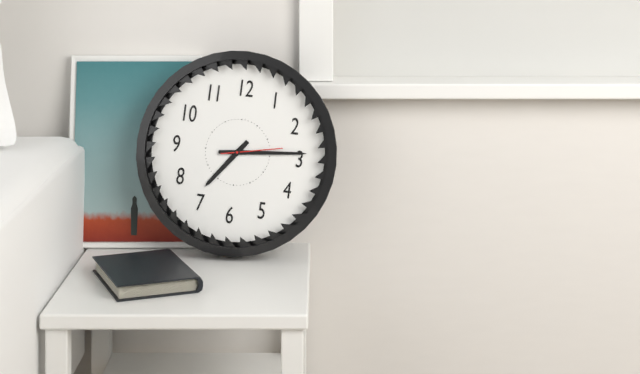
{"hour": 7, "minute": 14, "second": 13}
